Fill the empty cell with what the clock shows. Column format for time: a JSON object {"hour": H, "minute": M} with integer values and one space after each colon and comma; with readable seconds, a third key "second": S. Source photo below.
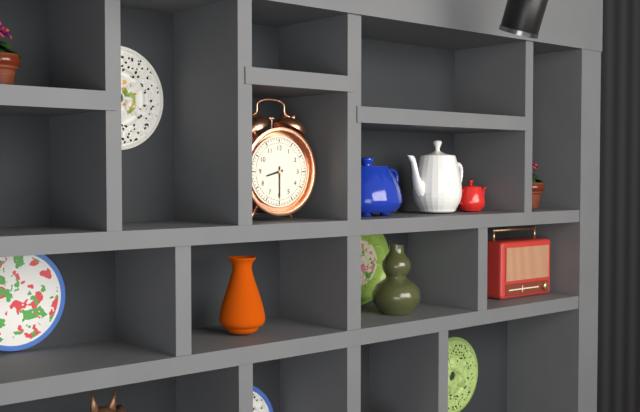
{"hour": 8, "minute": 30}
